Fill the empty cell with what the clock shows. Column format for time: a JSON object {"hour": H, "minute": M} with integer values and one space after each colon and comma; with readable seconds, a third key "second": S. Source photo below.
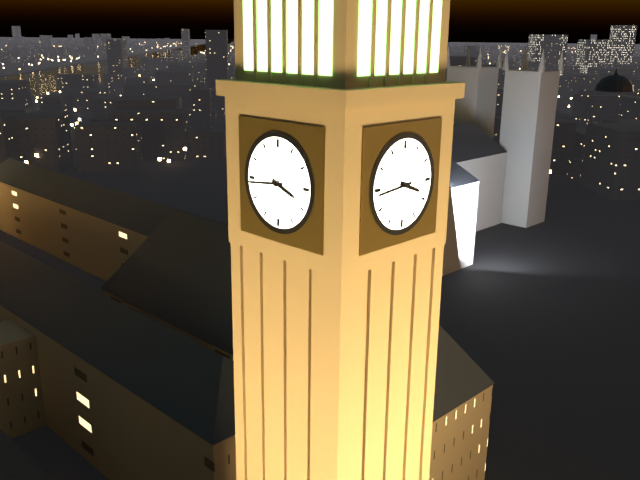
{"hour": 3, "minute": 44}
